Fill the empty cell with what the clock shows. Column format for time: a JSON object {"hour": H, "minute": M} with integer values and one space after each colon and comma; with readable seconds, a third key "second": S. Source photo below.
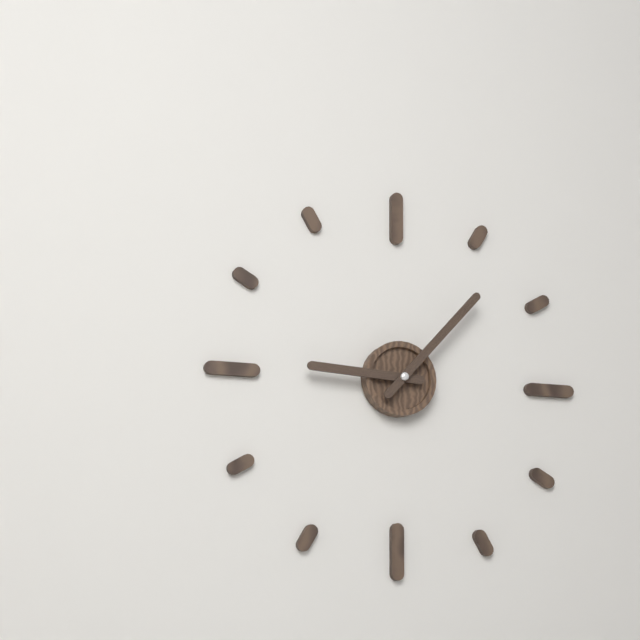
{"hour": 9, "minute": 7}
